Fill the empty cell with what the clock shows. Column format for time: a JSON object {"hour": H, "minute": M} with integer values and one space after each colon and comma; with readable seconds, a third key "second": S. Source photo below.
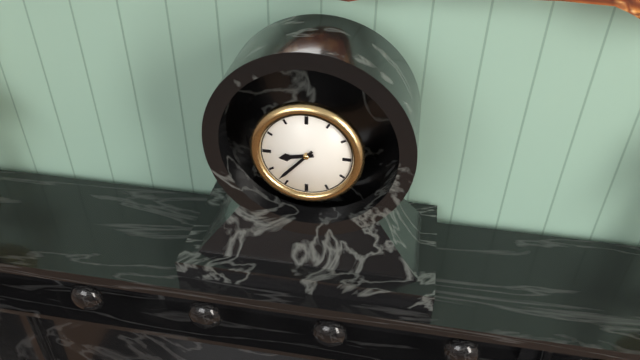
{"hour": 8, "minute": 37}
